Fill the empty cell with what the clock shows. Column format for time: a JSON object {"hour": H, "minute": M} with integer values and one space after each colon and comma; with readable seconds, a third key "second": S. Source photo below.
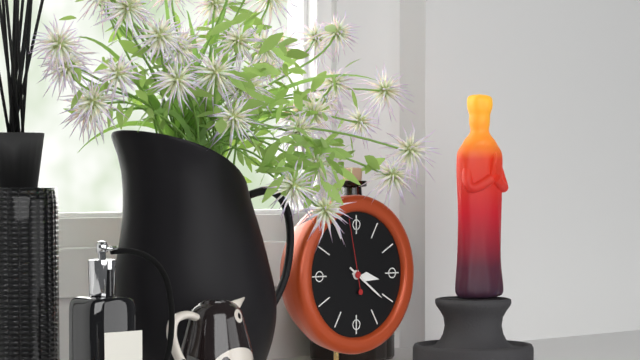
{"hour": 3, "minute": 21, "second": 58}
